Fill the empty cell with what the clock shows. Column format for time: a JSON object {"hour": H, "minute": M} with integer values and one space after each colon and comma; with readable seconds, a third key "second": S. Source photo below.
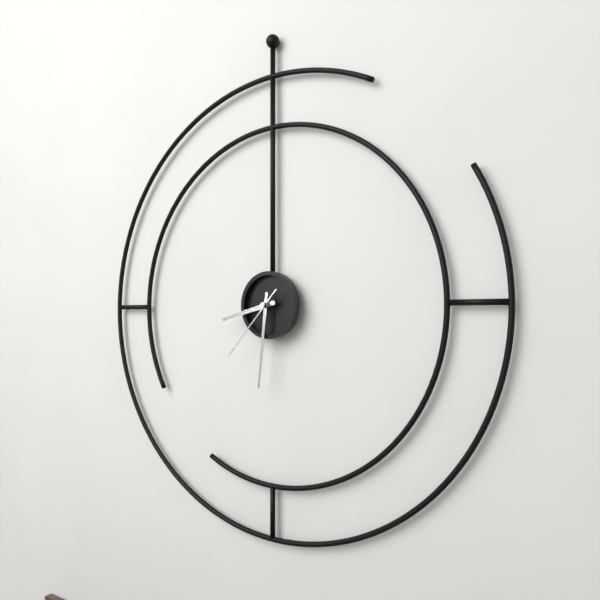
{"hour": 8, "minute": 31, "second": 37}
